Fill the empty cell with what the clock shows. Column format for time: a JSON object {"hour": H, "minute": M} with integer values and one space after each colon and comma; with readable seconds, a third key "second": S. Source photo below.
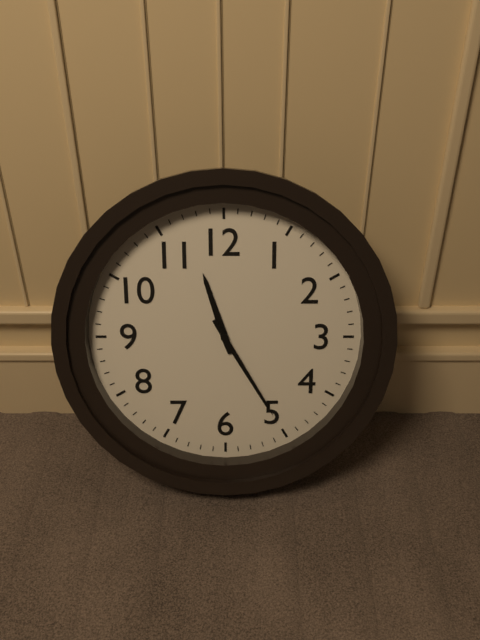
{"hour": 11, "minute": 25}
